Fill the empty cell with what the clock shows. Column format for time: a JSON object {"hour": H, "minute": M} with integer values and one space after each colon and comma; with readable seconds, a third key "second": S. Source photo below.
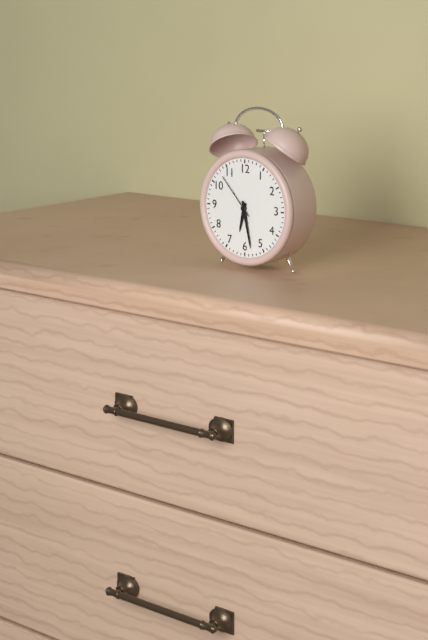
{"hour": 6, "minute": 28}
